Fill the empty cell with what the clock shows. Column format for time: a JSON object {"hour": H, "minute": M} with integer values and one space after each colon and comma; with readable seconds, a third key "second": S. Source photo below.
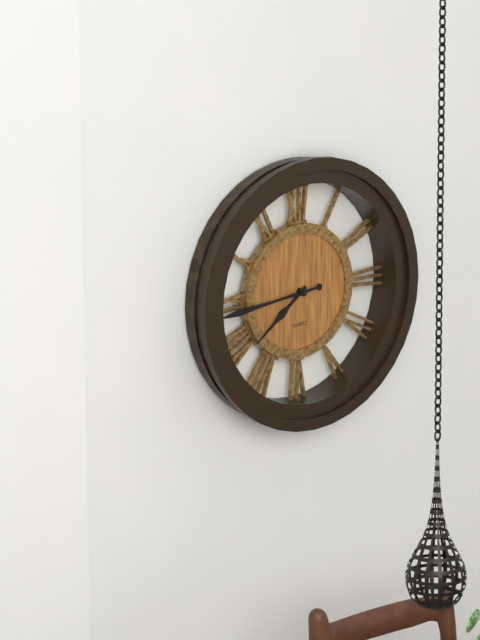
{"hour": 7, "minute": 44}
